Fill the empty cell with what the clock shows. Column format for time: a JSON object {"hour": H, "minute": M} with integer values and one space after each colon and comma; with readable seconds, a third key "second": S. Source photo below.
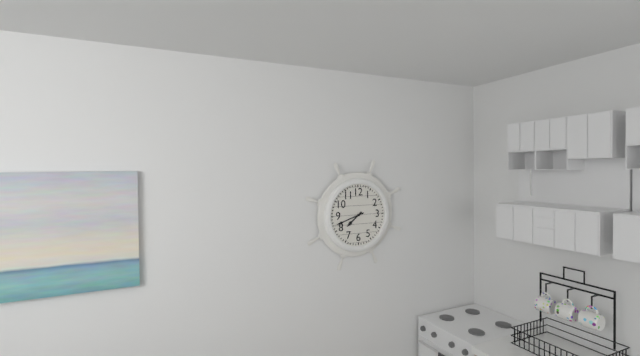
{"hour": 7, "minute": 42}
